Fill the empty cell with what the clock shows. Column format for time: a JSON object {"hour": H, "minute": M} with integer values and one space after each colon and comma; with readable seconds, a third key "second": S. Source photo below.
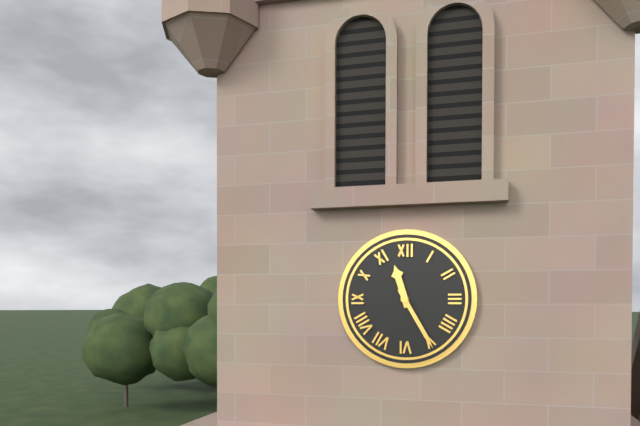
{"hour": 11, "minute": 25}
